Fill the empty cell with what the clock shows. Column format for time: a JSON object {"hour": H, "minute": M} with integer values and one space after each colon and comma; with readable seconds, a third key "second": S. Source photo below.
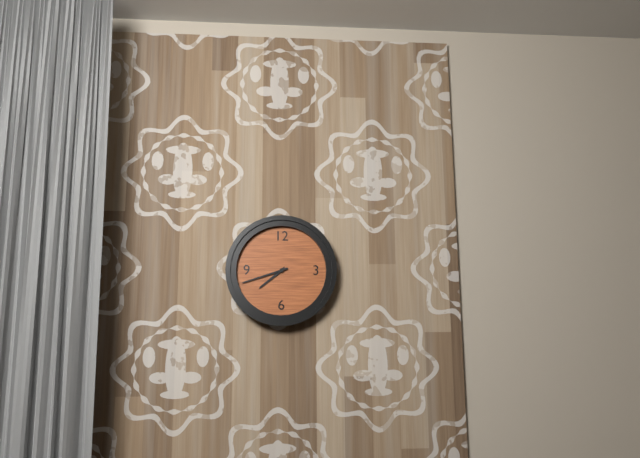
{"hour": 7, "minute": 42}
